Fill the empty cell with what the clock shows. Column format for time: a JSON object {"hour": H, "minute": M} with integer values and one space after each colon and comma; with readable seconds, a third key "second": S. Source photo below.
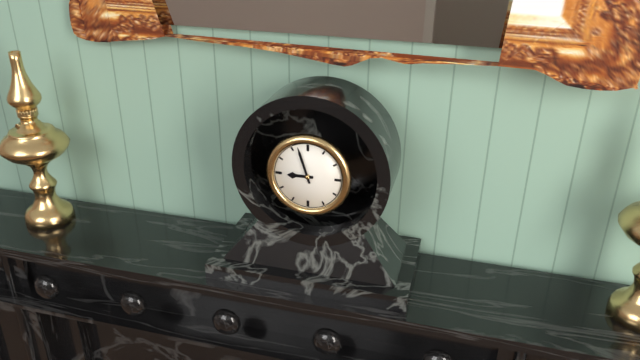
{"hour": 8, "minute": 57}
